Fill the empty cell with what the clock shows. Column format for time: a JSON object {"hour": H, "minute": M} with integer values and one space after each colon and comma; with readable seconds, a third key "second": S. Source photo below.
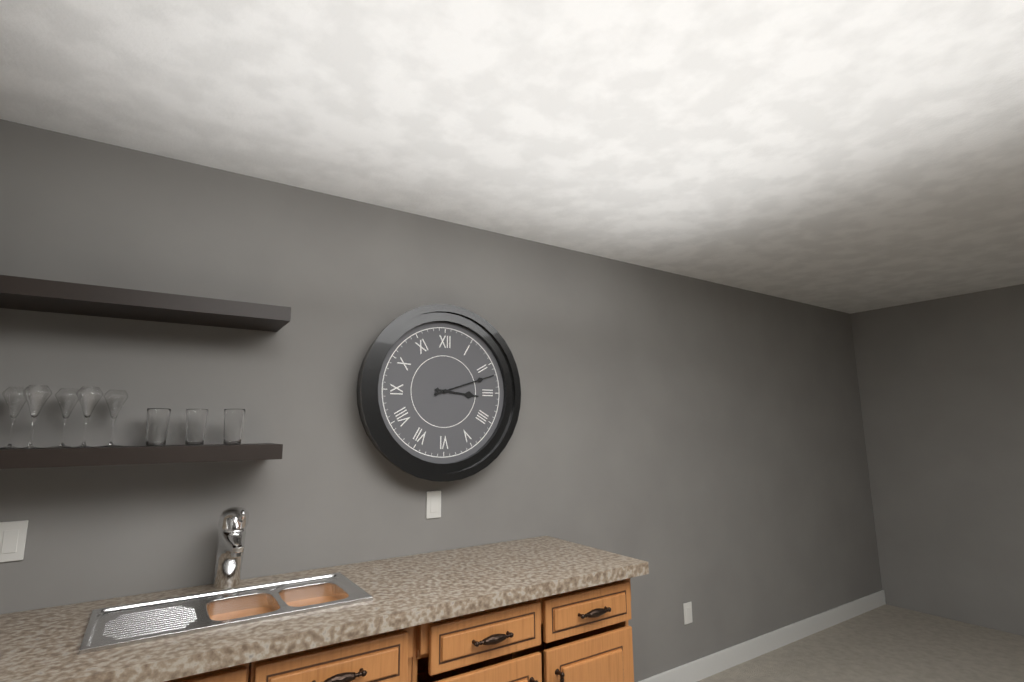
{"hour": 3, "minute": 12}
